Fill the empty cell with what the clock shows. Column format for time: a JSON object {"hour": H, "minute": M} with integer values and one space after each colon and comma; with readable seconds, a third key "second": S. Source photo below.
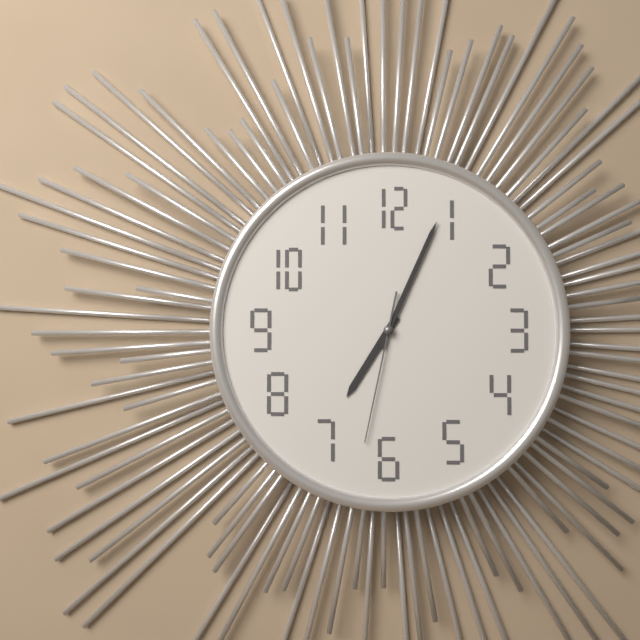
{"hour": 7, "minute": 4, "second": 32}
